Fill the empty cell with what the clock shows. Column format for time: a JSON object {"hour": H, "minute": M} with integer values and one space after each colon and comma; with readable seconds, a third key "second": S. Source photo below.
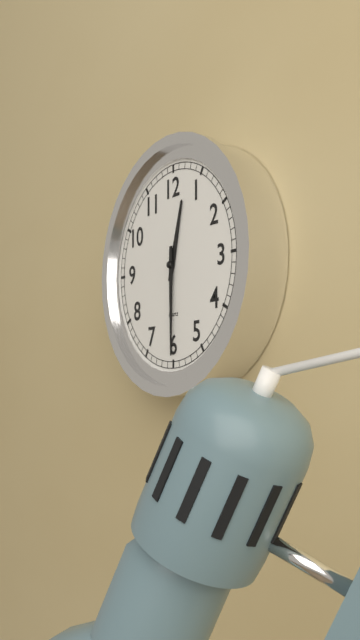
{"hour": 12, "minute": 30}
